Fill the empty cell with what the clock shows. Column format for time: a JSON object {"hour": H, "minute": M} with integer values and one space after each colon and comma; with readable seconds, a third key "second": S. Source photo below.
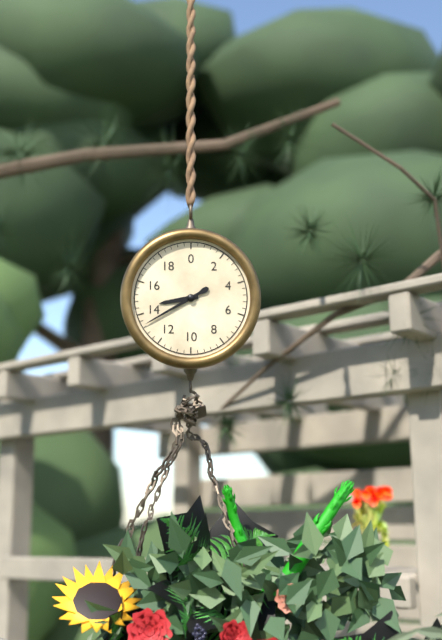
{"hour": 8, "minute": 40}
